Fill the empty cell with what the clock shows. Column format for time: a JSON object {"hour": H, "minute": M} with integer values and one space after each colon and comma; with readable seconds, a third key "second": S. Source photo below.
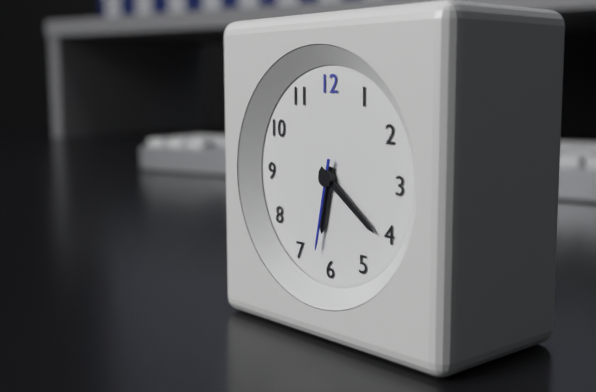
{"hour": 6, "minute": 21, "second": 32}
